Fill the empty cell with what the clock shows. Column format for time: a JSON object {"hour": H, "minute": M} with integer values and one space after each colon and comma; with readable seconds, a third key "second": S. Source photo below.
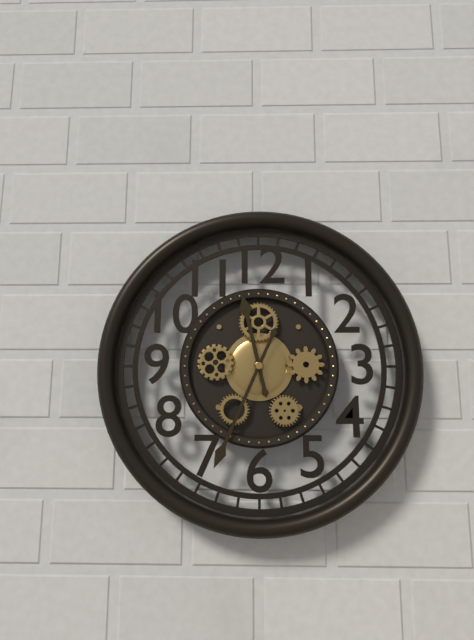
{"hour": 11, "minute": 34}
